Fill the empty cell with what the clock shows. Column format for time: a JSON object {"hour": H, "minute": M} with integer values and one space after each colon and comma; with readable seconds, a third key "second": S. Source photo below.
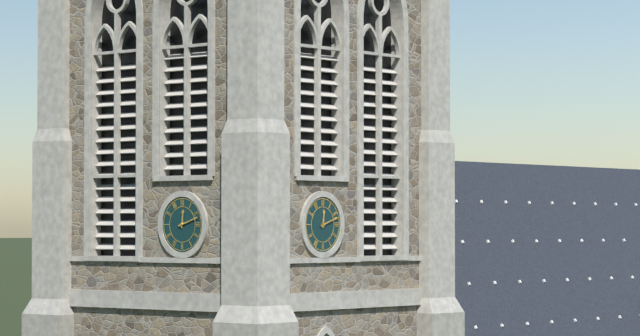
{"hour": 12, "minute": 12}
